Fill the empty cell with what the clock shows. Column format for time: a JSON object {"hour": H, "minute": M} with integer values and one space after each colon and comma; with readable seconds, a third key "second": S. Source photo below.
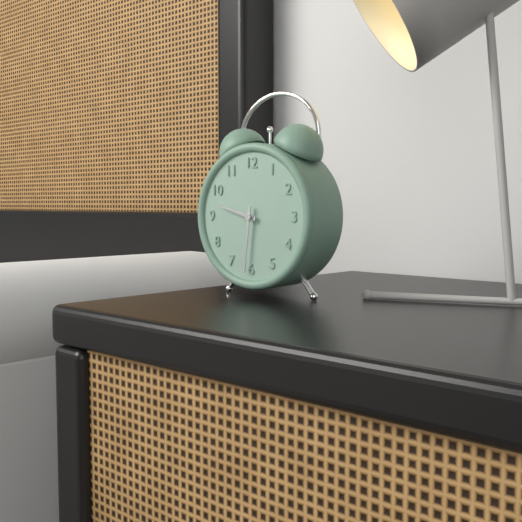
{"hour": 9, "minute": 31}
